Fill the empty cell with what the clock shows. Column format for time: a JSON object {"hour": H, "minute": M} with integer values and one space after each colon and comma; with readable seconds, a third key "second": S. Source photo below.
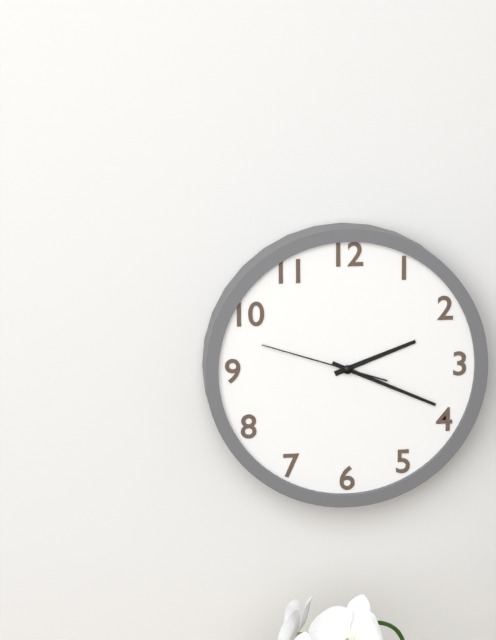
{"hour": 2, "minute": 19, "second": 48}
